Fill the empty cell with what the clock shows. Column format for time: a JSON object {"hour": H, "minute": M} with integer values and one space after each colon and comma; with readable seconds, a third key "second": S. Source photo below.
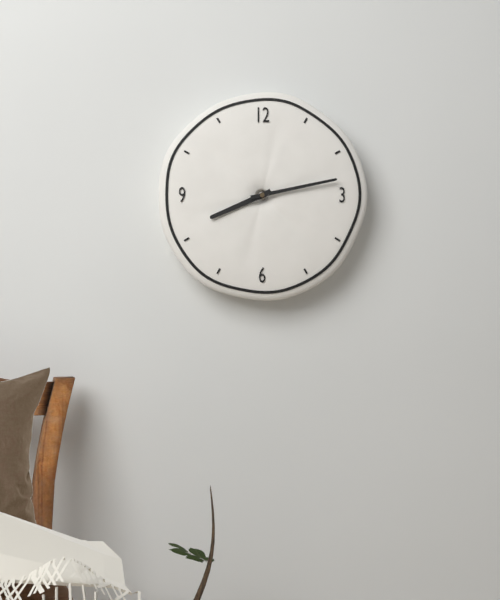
{"hour": 8, "minute": 13}
